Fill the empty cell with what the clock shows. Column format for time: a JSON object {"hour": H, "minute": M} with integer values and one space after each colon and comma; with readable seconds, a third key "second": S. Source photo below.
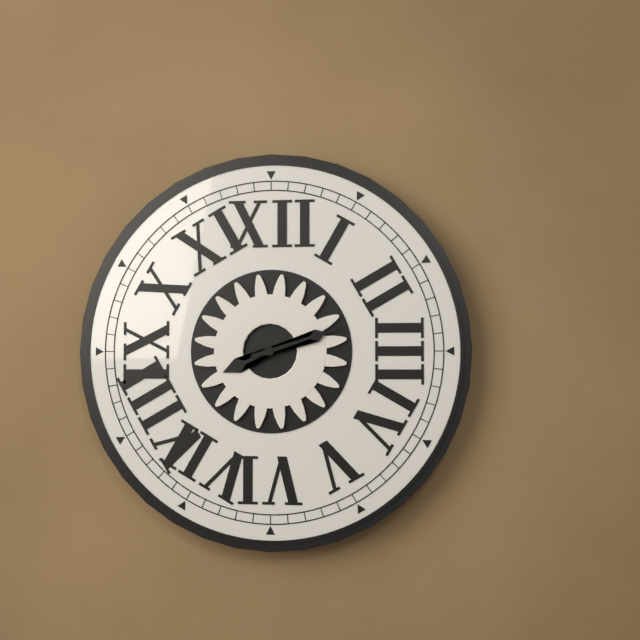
{"hour": 8, "minute": 12}
